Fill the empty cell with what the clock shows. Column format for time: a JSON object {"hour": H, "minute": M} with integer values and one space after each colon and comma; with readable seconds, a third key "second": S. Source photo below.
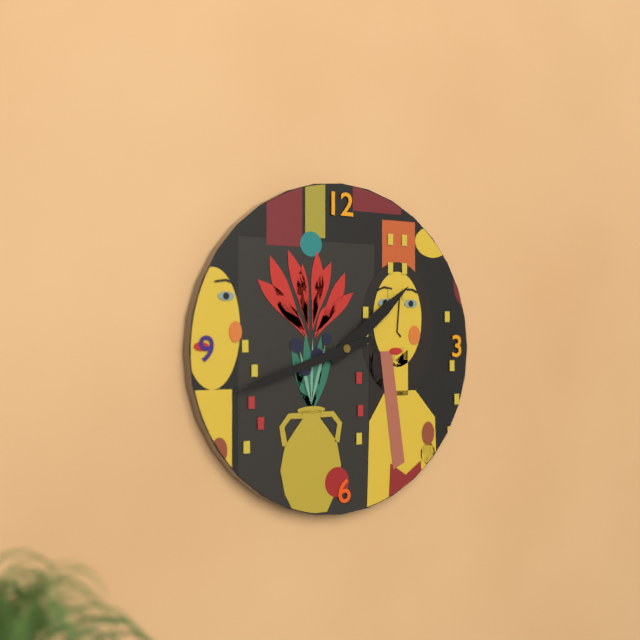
{"hour": 1, "minute": 42}
